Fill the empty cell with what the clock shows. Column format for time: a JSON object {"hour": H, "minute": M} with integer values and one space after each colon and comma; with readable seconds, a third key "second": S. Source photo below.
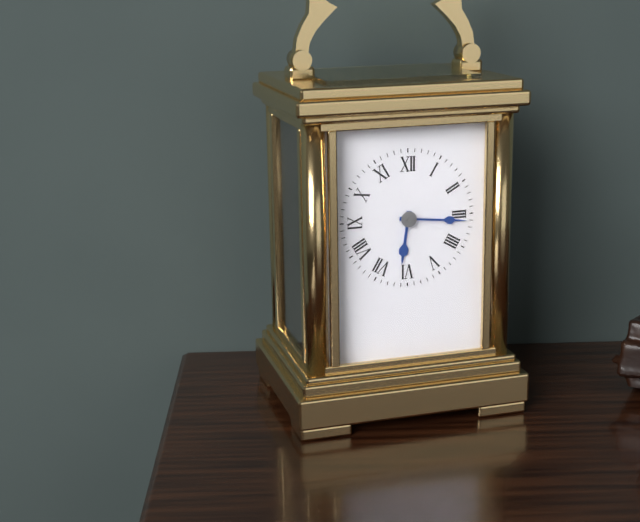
{"hour": 6, "minute": 16}
